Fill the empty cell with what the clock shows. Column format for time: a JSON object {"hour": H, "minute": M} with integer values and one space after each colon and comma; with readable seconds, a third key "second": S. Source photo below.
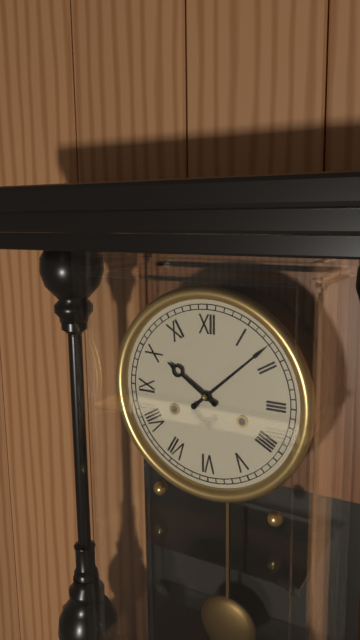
{"hour": 10, "minute": 8}
